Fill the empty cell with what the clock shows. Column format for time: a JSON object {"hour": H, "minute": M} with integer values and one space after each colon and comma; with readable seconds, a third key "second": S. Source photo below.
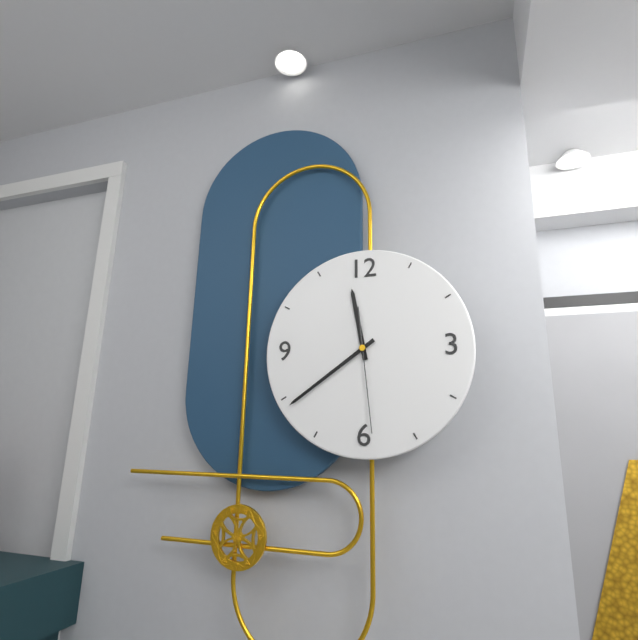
{"hour": 11, "minute": 39, "second": 29}
